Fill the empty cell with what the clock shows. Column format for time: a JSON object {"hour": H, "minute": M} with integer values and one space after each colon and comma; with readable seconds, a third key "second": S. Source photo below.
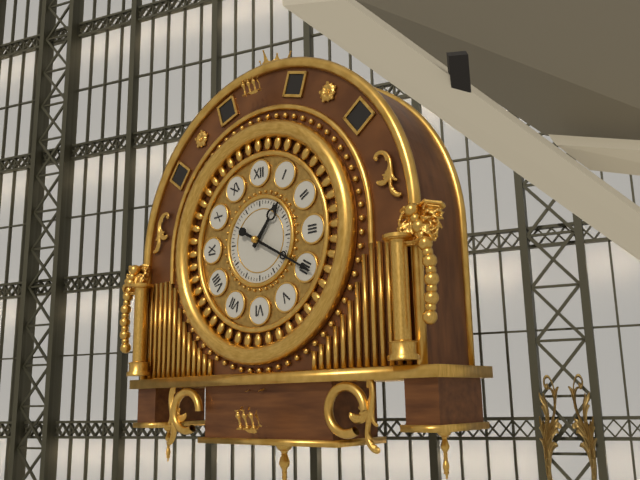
{"hour": 1, "minute": 20}
